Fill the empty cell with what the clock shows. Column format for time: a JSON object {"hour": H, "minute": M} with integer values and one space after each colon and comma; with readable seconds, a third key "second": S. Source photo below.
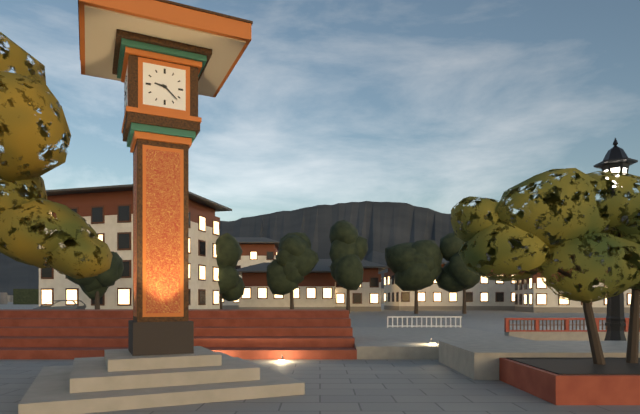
{"hour": 9, "minute": 22}
